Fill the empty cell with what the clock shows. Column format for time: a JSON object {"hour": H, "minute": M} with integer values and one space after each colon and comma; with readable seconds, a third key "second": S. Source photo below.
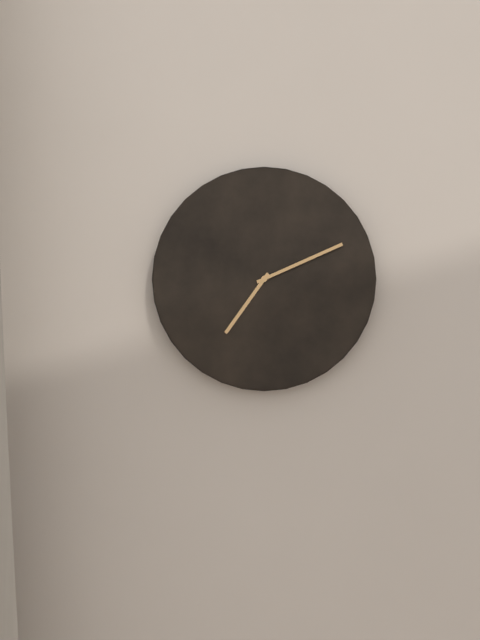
{"hour": 7, "minute": 11}
